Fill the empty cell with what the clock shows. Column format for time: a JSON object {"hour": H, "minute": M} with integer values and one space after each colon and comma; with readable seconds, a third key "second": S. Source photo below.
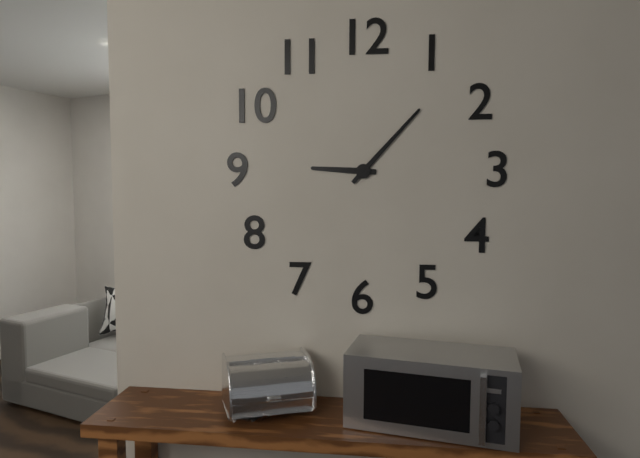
{"hour": 9, "minute": 7}
